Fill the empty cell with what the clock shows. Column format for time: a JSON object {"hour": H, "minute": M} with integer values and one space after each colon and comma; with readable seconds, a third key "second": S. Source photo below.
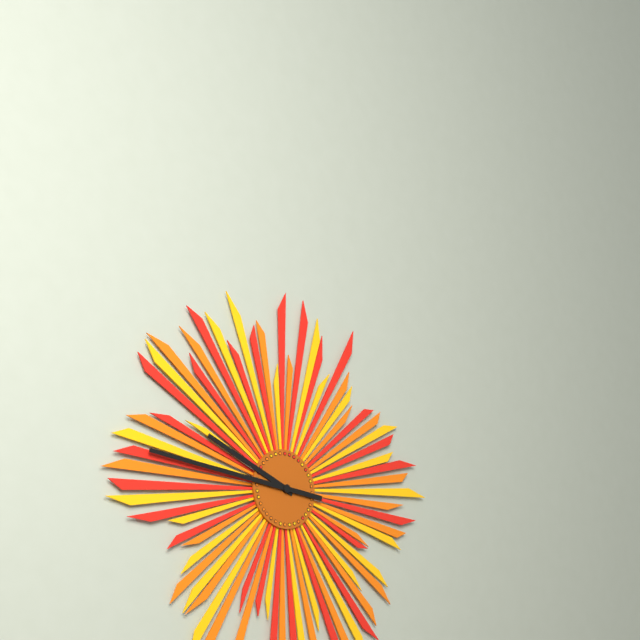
{"hour": 9, "minute": 46}
